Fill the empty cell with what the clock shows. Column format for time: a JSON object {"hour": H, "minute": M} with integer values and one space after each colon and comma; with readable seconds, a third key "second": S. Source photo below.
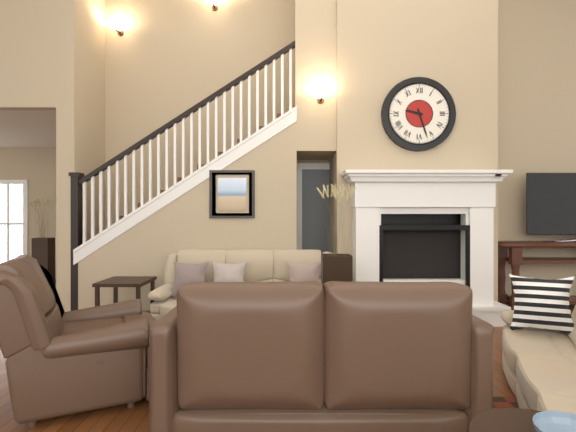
{"hour": 9, "minute": 27}
